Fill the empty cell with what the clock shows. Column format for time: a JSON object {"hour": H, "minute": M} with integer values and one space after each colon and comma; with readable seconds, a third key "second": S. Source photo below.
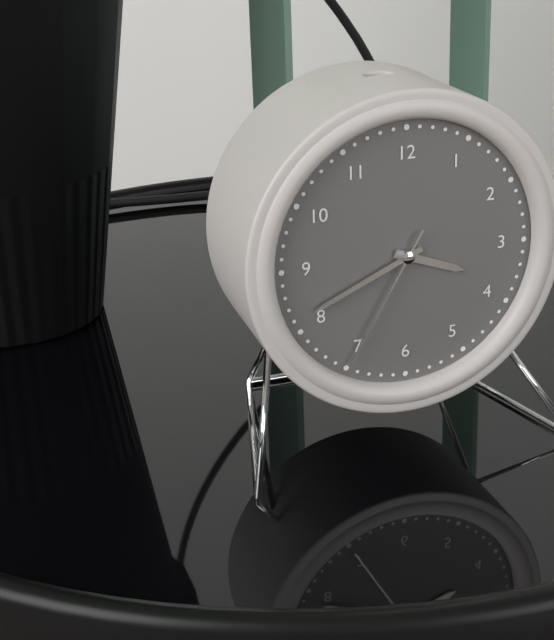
{"hour": 3, "minute": 41, "second": 35}
